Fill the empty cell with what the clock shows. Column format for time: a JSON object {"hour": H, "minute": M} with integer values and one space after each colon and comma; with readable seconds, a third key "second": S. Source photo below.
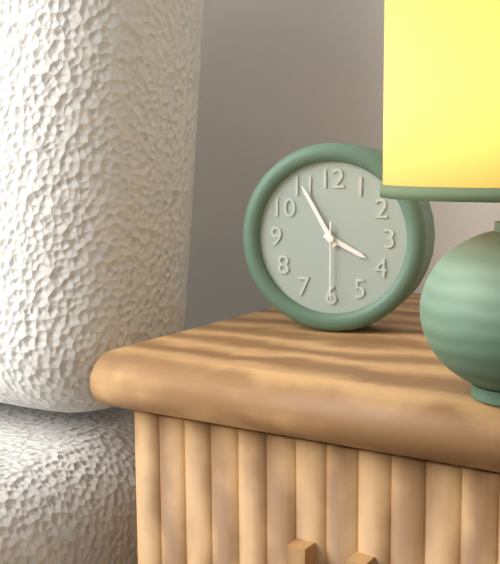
{"hour": 3, "minute": 55, "second": 30}
